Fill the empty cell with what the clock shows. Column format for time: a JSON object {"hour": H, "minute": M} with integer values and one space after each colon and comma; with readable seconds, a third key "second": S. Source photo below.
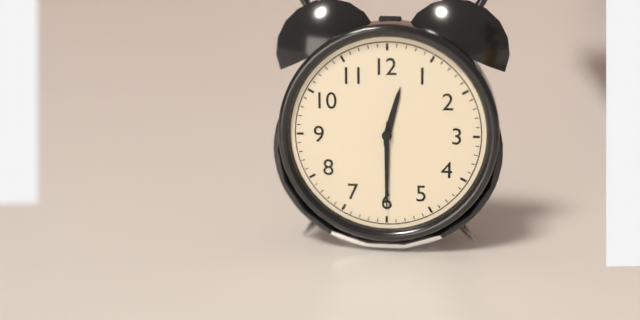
{"hour": 12, "minute": 30}
